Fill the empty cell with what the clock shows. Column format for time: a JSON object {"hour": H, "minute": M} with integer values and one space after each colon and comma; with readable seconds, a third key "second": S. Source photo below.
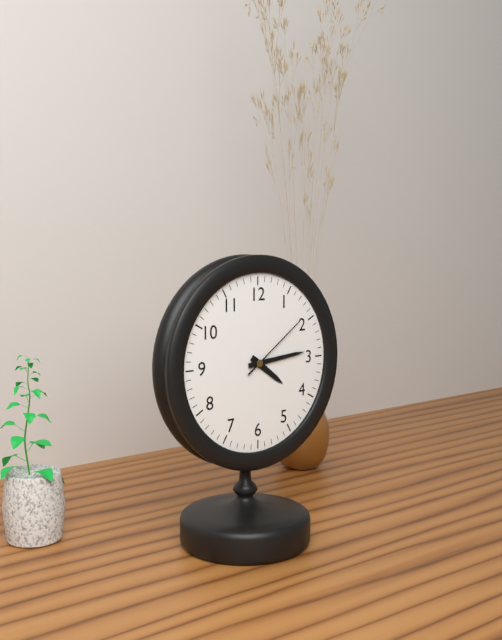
{"hour": 4, "minute": 14, "second": 9}
